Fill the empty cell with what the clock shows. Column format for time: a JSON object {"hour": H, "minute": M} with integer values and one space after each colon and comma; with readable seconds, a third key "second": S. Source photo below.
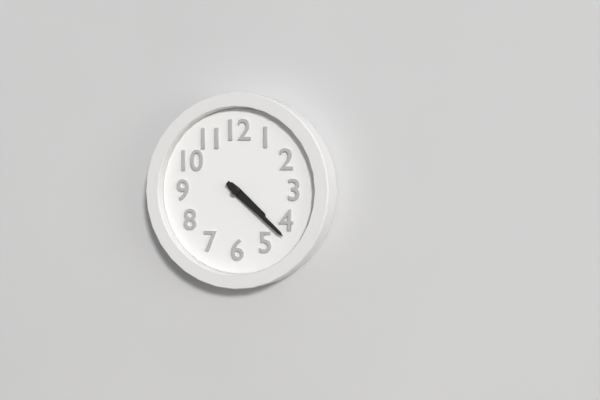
{"hour": 4, "minute": 22}
